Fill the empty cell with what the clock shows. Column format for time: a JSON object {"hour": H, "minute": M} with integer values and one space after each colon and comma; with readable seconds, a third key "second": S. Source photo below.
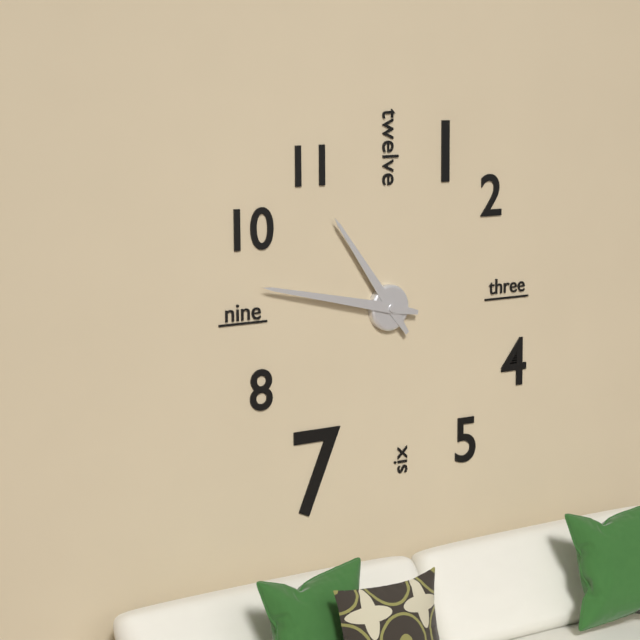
{"hour": 10, "minute": 47}
